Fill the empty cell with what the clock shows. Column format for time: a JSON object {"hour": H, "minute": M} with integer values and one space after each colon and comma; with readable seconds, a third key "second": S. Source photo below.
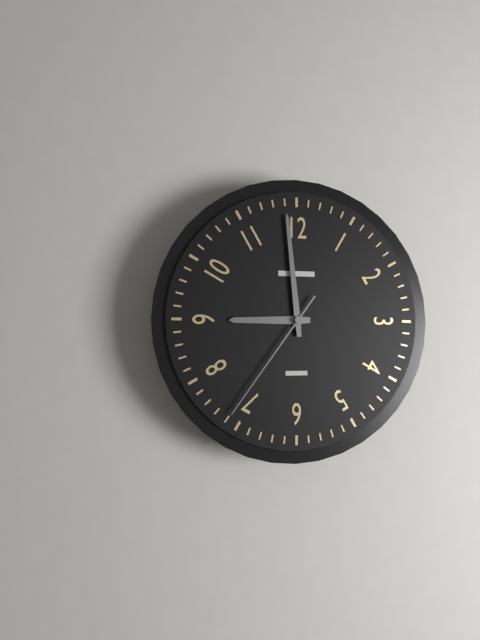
{"hour": 8, "minute": 59, "second": 36}
